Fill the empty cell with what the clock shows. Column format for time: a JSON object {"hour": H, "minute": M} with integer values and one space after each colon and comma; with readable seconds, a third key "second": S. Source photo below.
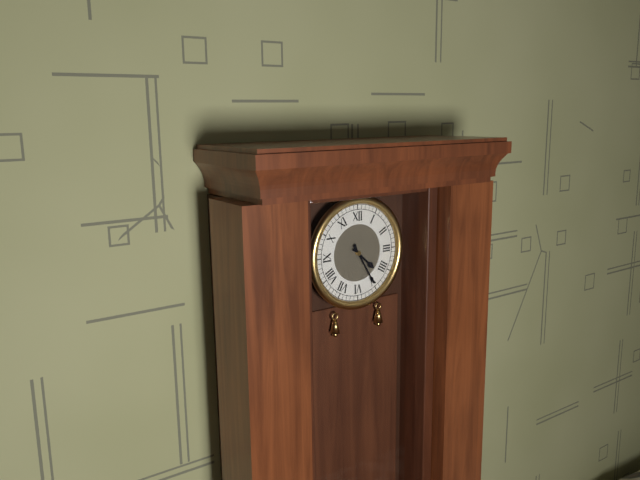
{"hour": 4, "minute": 25}
